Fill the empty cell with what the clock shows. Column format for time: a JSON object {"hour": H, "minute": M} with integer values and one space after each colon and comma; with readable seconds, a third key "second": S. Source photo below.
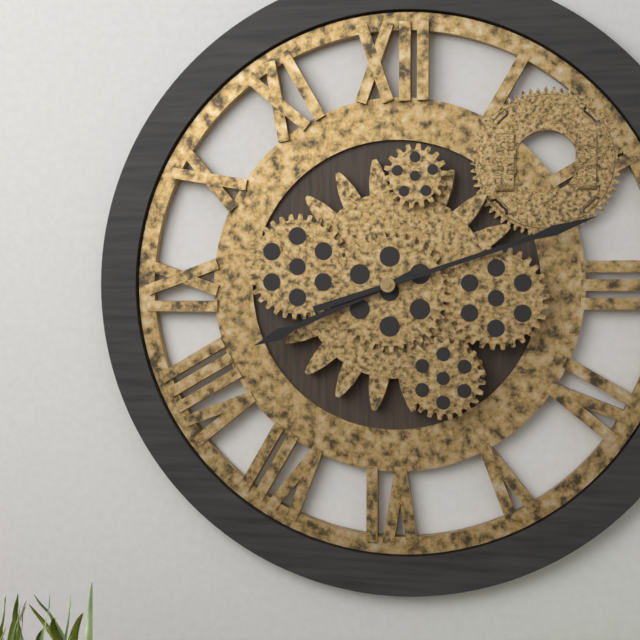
{"hour": 8, "minute": 12}
